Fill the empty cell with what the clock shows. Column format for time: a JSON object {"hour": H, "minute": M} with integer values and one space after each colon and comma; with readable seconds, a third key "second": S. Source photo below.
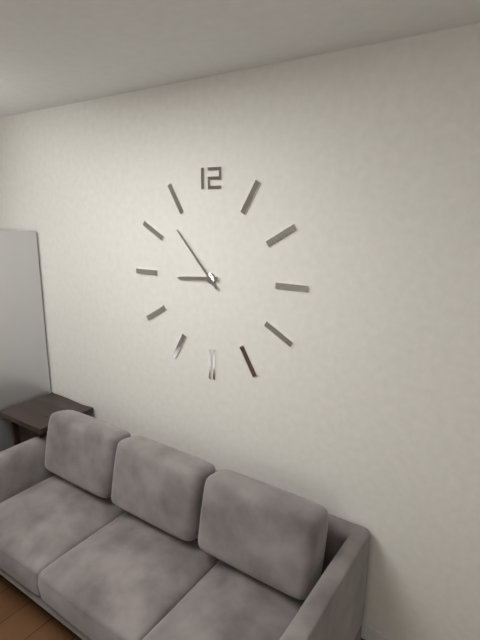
{"hour": 8, "minute": 53}
